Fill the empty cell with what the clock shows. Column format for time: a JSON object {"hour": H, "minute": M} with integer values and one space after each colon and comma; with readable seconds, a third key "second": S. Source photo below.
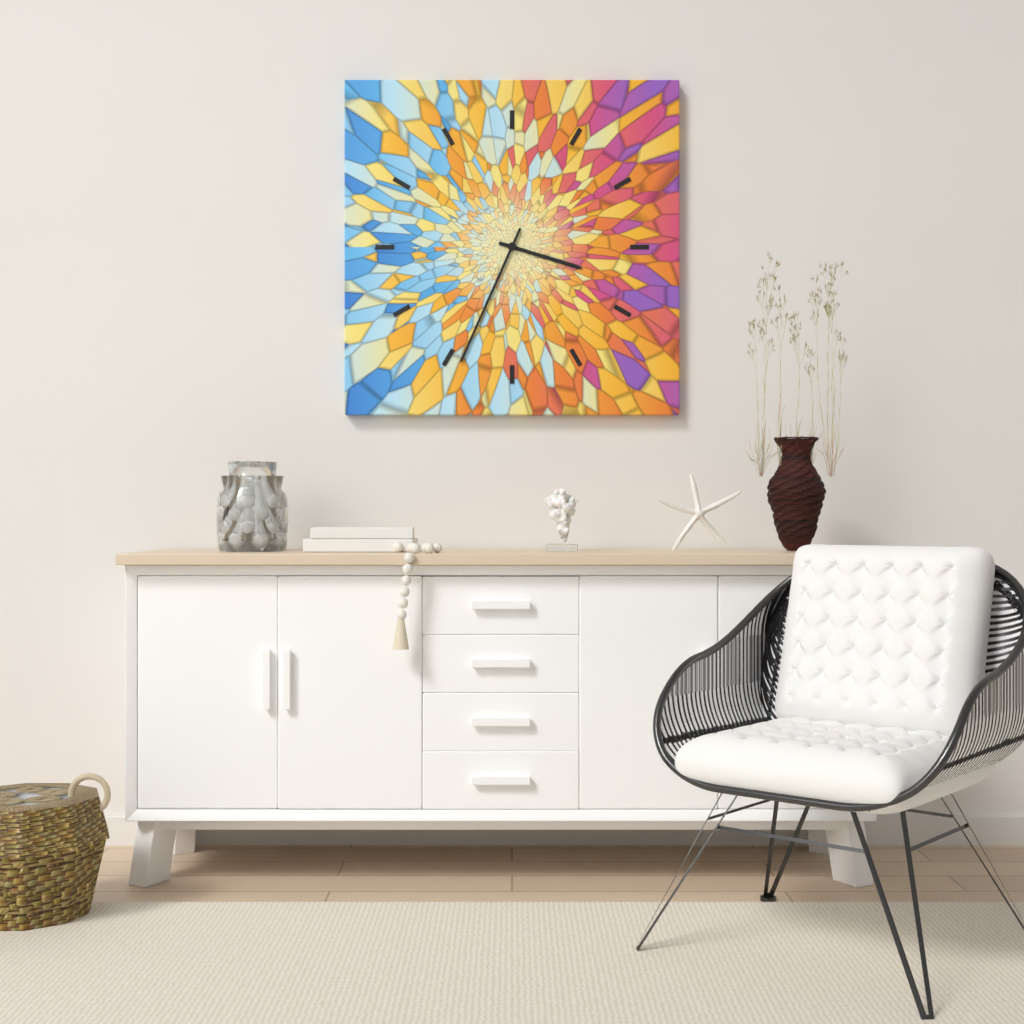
{"hour": 3, "minute": 34}
